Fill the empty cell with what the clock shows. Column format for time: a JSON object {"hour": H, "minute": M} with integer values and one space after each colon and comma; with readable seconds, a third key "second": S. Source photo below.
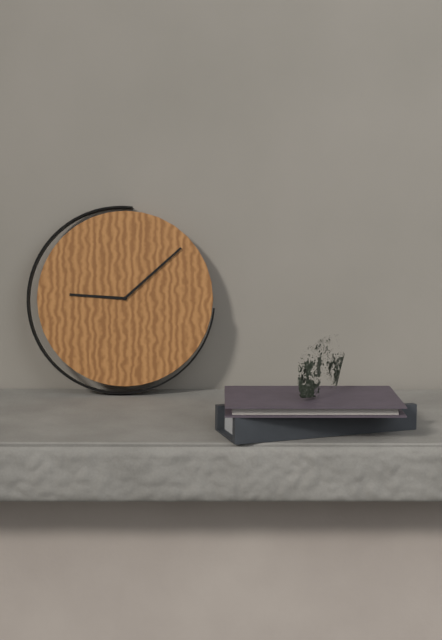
{"hour": 9, "minute": 8}
